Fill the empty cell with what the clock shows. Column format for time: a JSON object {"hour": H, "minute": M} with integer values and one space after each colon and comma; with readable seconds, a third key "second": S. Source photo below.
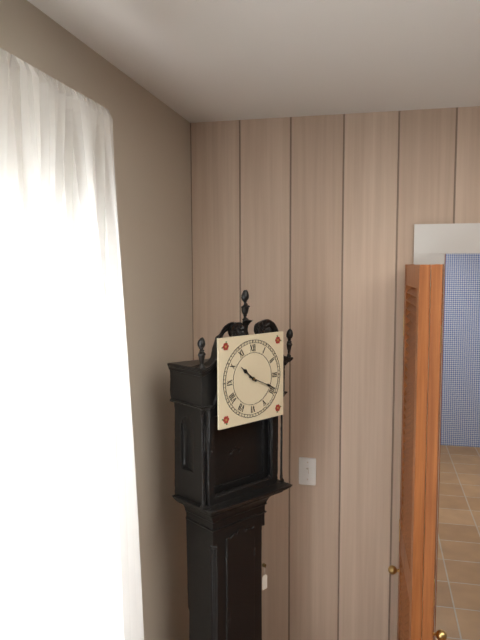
{"hour": 10, "minute": 19}
